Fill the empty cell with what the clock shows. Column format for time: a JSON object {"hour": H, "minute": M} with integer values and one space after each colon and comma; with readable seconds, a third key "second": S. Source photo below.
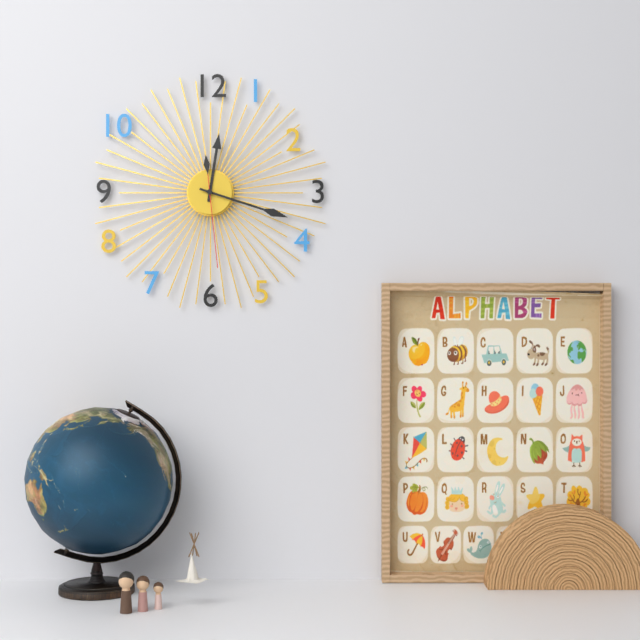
{"hour": 12, "minute": 18, "second": 29}
